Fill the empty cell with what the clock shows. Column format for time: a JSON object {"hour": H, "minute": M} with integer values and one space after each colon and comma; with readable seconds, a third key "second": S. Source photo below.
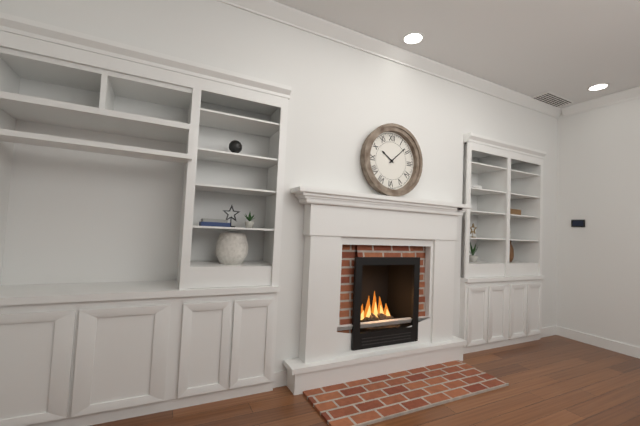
{"hour": 10, "minute": 8}
